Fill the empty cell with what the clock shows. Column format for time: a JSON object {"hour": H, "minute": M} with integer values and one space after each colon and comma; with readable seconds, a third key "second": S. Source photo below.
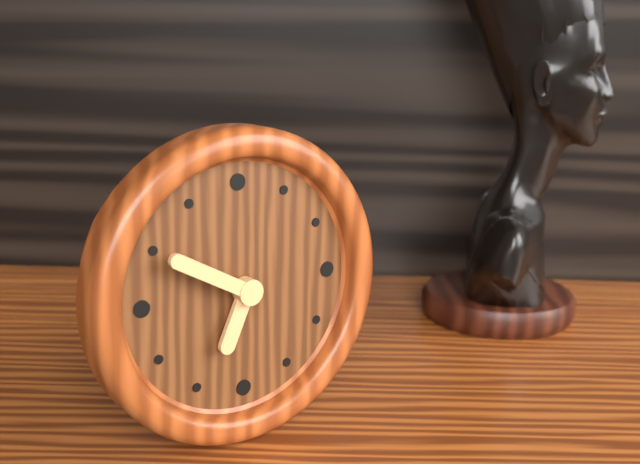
{"hour": 6, "minute": 50}
